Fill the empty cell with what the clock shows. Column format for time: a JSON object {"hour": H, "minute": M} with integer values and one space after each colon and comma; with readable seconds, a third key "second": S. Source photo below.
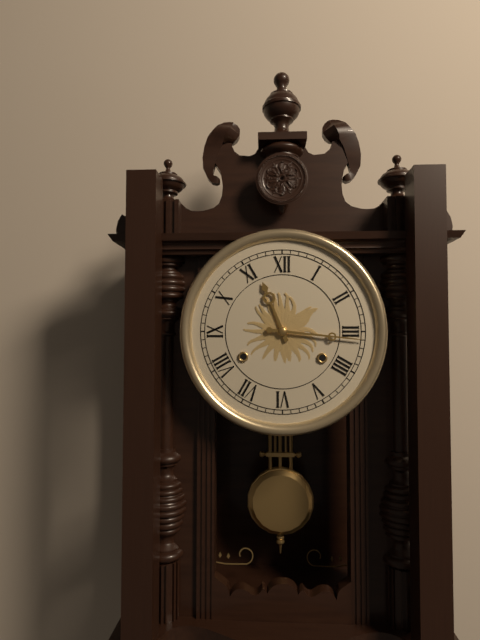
{"hour": 11, "minute": 16}
